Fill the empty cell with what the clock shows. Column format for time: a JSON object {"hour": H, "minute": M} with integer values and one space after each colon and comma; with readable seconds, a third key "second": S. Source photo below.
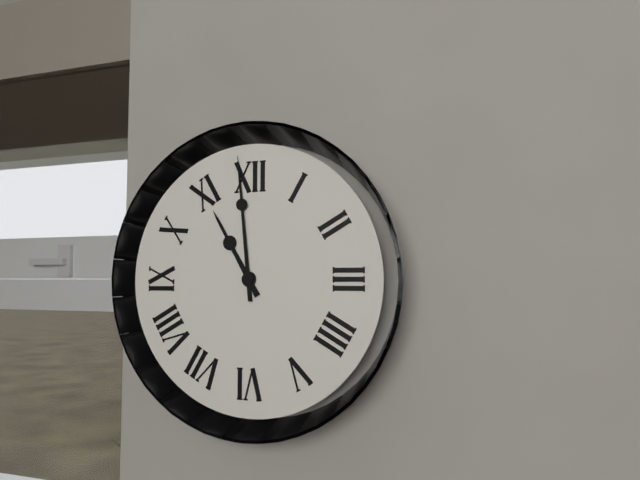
{"hour": 10, "minute": 59}
